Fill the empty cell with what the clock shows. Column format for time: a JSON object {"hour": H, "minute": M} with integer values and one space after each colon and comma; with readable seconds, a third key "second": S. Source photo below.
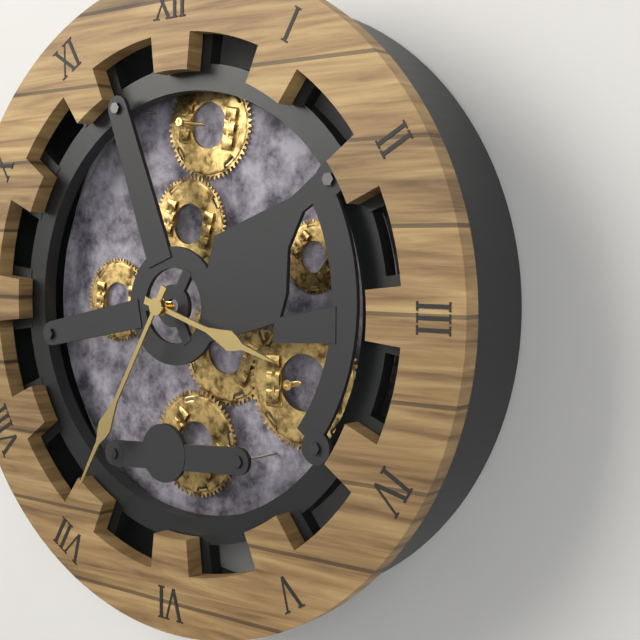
{"hour": 3, "minute": 35}
